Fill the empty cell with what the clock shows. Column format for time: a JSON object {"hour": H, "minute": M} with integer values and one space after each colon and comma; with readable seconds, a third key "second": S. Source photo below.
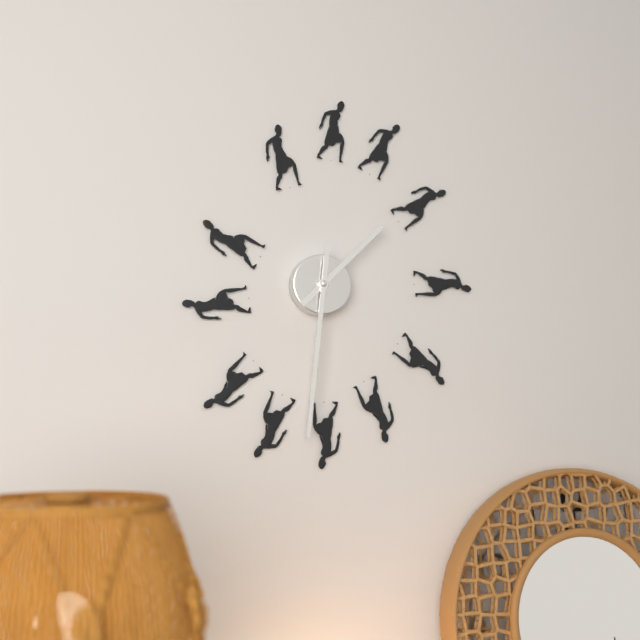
{"hour": 1, "minute": 31}
